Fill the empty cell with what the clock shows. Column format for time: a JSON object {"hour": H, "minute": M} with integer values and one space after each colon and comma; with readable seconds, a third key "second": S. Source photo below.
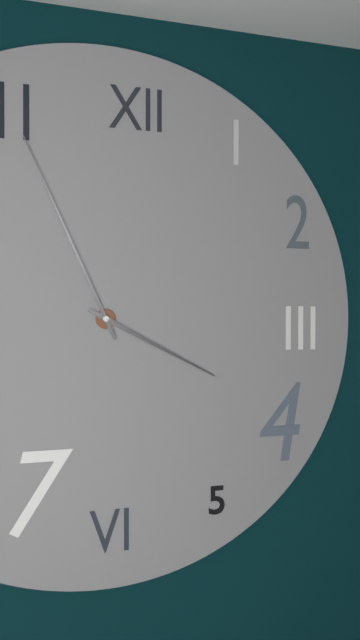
{"hour": 3, "minute": 56}
